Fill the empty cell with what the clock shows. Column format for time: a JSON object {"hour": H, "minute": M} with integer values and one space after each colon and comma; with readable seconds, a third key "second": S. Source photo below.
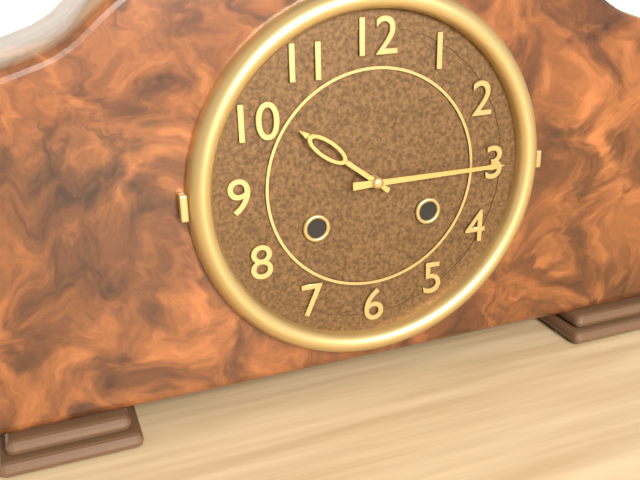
{"hour": 10, "minute": 15}
